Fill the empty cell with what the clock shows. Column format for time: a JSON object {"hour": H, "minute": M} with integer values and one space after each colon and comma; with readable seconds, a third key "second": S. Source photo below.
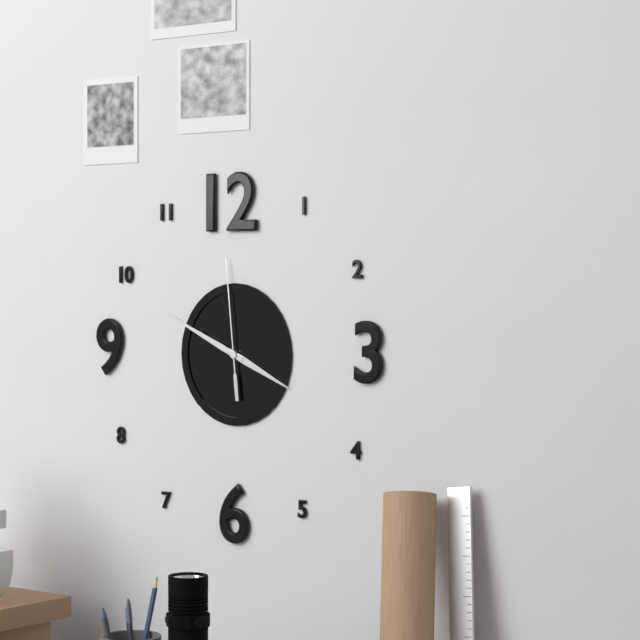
{"hour": 3, "minute": 49, "second": 59}
